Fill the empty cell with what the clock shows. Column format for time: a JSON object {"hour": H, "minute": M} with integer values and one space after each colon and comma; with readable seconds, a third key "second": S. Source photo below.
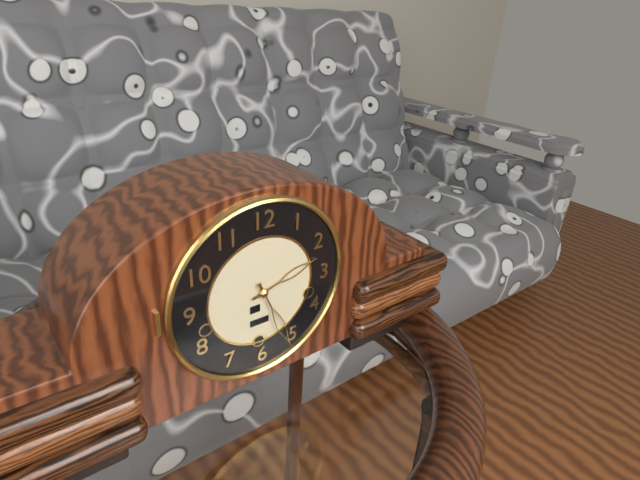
{"hour": 2, "minute": 26}
